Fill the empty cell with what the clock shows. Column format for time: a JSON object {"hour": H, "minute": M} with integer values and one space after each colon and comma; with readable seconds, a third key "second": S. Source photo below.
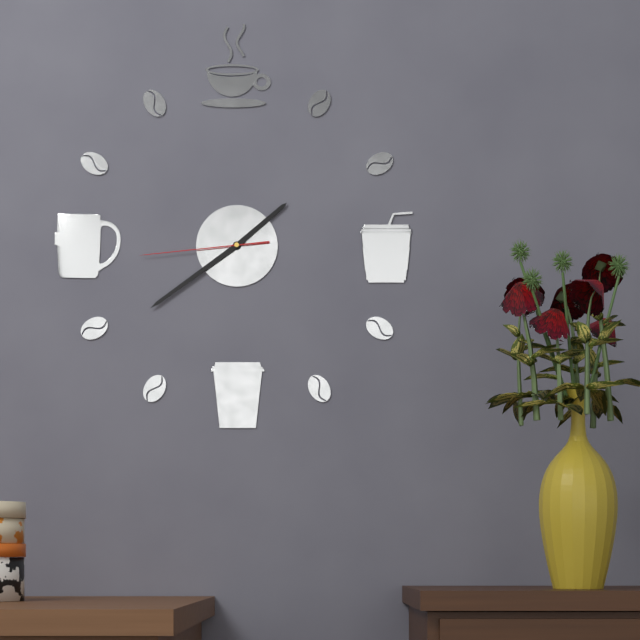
{"hour": 1, "minute": 39, "second": 44}
